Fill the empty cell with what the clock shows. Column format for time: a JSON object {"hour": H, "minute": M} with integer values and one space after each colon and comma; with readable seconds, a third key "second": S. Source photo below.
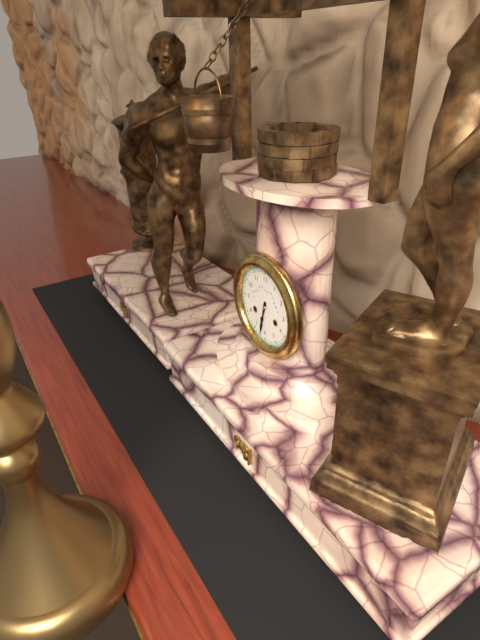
{"hour": 6, "minute": 32}
